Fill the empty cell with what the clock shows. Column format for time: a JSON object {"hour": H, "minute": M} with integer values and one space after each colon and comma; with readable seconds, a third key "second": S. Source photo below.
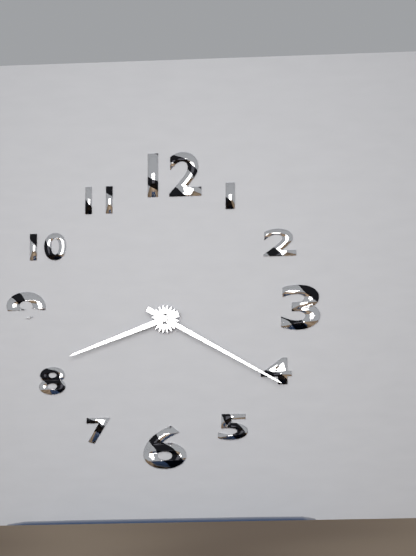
{"hour": 8, "minute": 20}
